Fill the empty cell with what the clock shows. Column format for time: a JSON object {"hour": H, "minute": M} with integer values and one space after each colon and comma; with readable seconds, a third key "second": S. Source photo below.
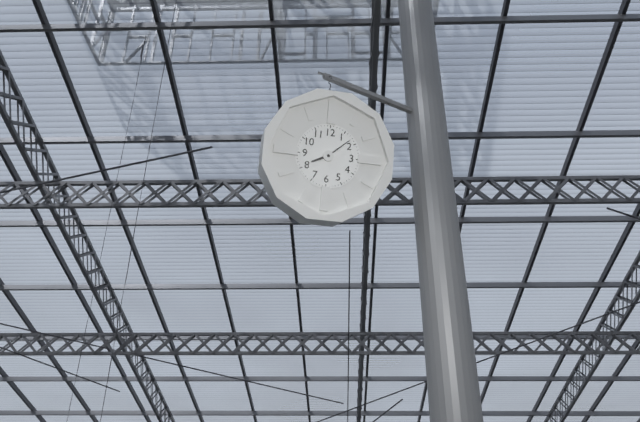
{"hour": 8, "minute": 8}
